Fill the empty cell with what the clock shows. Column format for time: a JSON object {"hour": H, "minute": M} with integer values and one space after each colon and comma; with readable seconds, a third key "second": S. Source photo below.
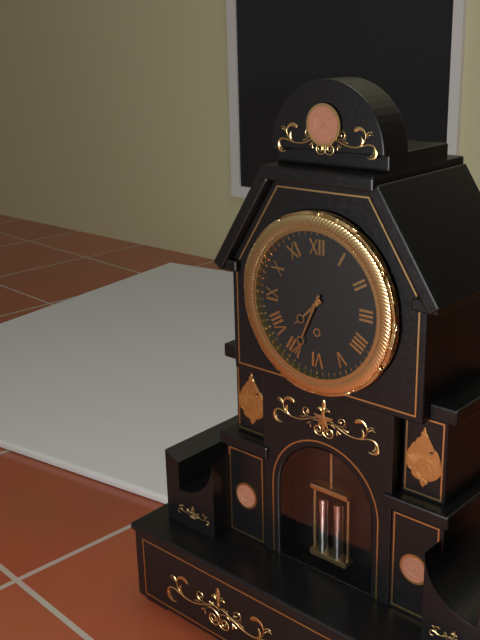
{"hour": 7, "minute": 34}
